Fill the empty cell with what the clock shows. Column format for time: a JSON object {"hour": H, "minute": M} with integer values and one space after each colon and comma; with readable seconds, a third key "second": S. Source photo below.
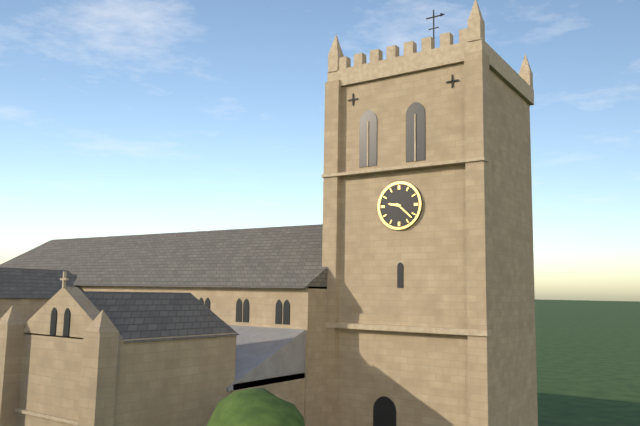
{"hour": 9, "minute": 22}
